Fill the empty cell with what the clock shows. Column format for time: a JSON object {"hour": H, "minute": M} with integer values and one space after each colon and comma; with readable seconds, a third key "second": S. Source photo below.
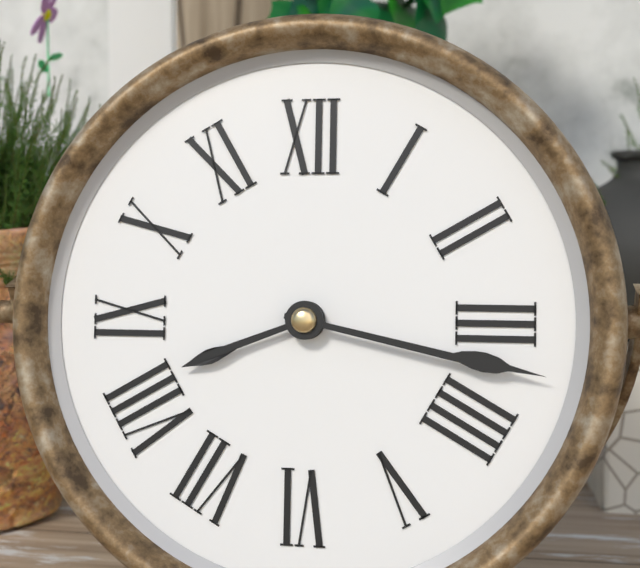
{"hour": 8, "minute": 17}
